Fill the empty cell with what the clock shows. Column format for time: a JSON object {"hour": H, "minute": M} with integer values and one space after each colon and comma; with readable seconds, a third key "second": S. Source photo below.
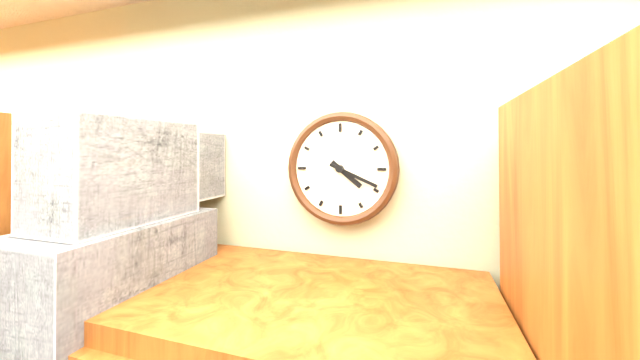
{"hour": 4, "minute": 19}
